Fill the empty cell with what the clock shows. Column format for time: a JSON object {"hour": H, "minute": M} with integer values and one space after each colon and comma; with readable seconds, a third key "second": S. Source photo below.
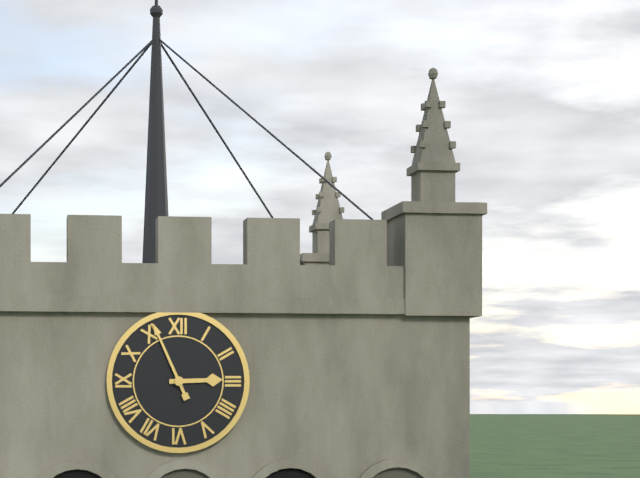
{"hour": 2, "minute": 56}
